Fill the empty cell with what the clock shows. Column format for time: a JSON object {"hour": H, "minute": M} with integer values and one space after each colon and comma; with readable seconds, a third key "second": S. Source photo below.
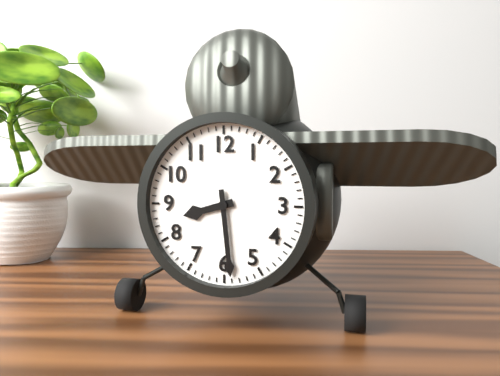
{"hour": 8, "minute": 29}
